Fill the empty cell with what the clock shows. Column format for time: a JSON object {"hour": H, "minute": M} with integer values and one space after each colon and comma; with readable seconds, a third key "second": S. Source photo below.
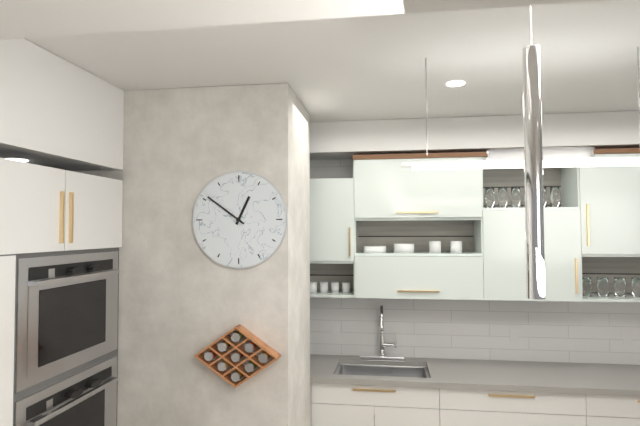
{"hour": 12, "minute": 51}
